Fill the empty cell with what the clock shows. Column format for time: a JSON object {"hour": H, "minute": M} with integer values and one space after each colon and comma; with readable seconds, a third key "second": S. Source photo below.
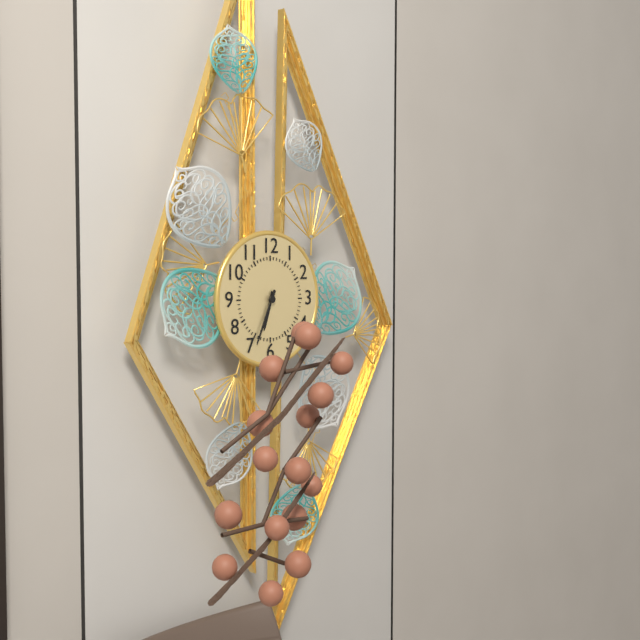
{"hour": 6, "minute": 34}
